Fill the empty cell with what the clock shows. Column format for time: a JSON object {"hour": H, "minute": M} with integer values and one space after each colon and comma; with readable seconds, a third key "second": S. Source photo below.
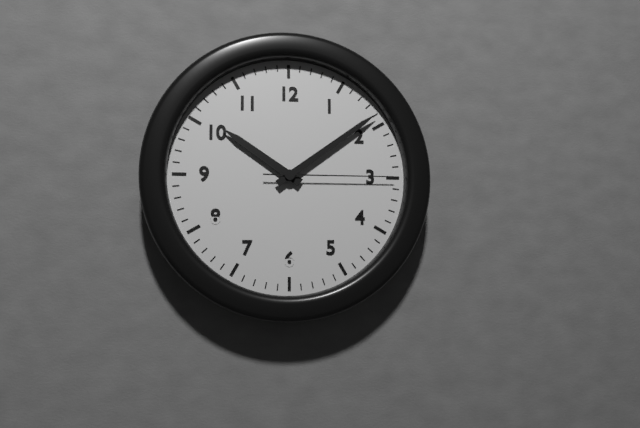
{"hour": 10, "minute": 9, "second": 15}
